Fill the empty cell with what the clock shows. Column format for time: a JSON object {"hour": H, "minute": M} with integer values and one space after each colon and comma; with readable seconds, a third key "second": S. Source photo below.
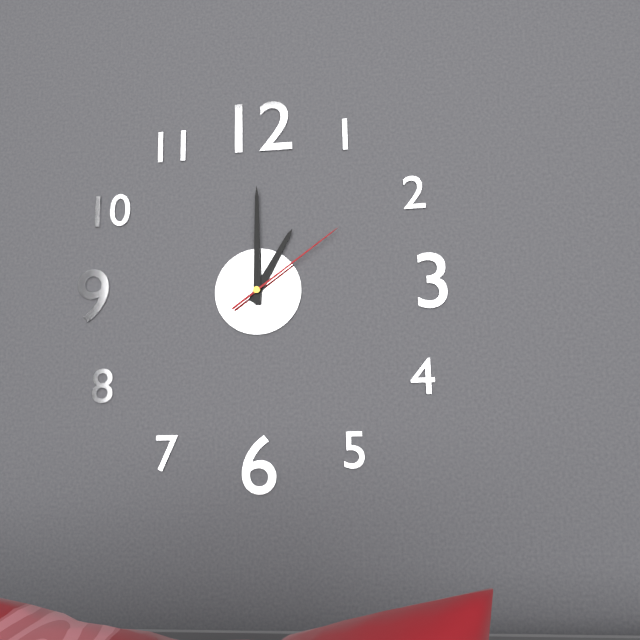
{"hour": 1, "minute": 0, "second": 9}
